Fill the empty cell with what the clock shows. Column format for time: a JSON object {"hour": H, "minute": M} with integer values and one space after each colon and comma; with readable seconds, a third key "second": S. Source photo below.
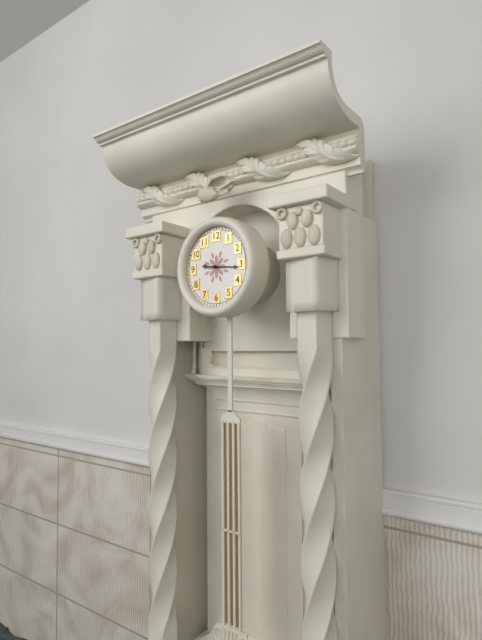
{"hour": 9, "minute": 16}
